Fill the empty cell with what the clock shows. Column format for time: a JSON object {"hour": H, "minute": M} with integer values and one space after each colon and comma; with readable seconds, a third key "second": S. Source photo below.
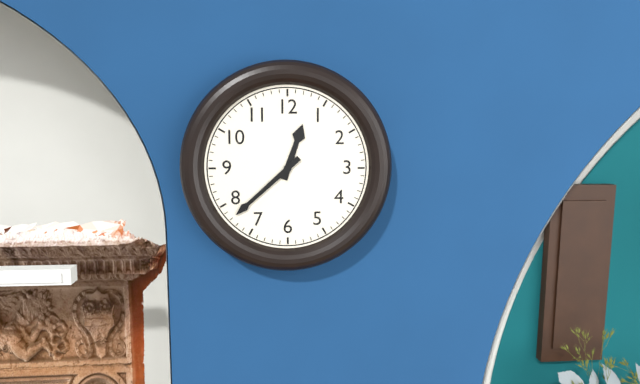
{"hour": 12, "minute": 38}
